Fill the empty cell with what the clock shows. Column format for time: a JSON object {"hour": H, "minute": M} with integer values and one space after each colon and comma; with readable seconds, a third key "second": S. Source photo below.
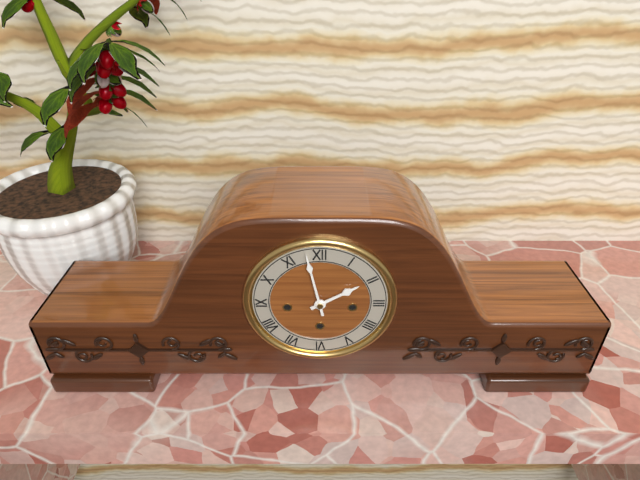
{"hour": 1, "minute": 58}
